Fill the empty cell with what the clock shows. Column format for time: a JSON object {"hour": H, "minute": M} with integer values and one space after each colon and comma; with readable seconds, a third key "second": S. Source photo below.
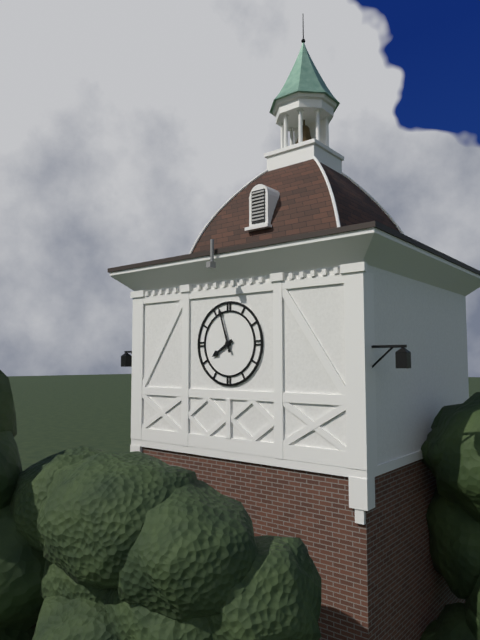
{"hour": 7, "minute": 57}
